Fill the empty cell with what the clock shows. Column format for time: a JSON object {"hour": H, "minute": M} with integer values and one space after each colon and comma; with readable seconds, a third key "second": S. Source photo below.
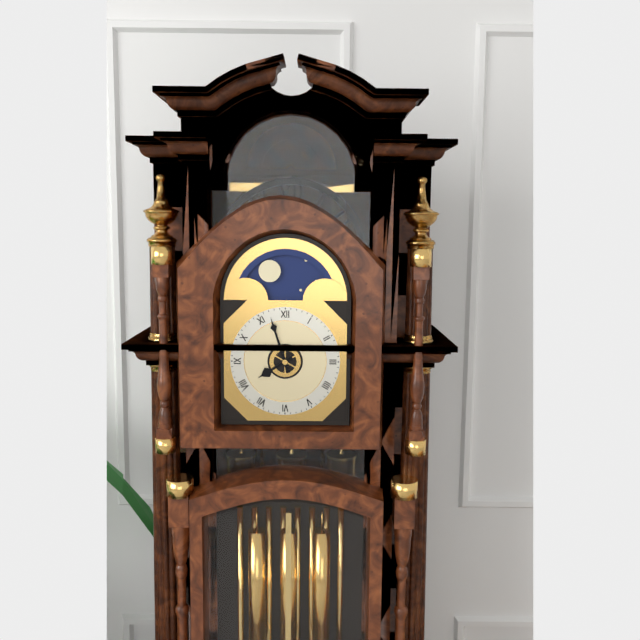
{"hour": 7, "minute": 57}
